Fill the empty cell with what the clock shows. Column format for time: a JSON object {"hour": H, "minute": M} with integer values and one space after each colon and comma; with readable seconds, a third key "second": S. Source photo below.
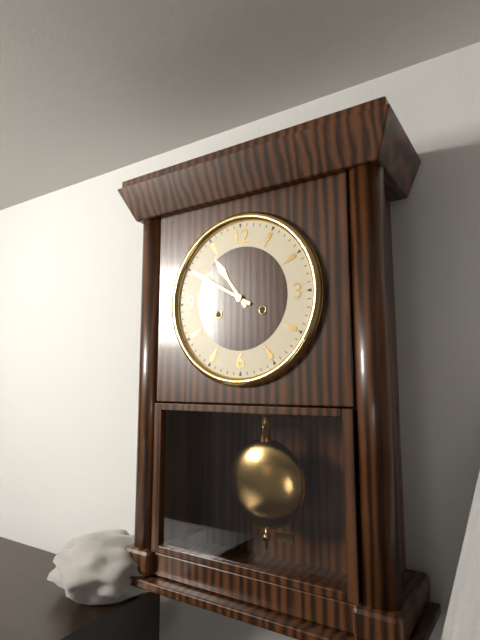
{"hour": 10, "minute": 50}
